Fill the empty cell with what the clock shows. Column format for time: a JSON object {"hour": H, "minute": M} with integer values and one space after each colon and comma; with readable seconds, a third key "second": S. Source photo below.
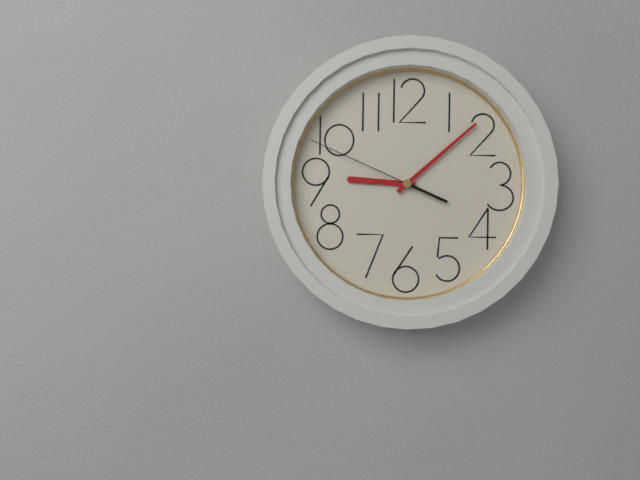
{"hour": 9, "minute": 8, "second": 49}
